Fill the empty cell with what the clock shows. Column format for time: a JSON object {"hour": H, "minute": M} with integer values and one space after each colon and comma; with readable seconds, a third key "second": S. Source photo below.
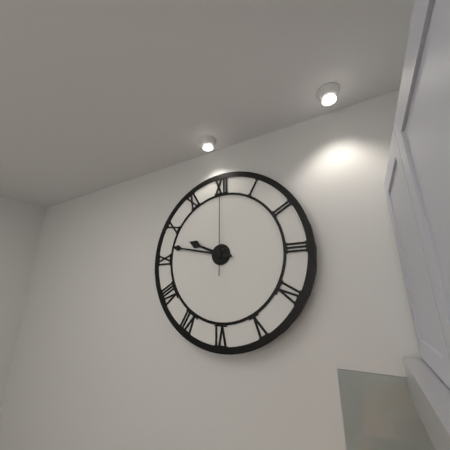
{"hour": 9, "minute": 47, "second": 0}
